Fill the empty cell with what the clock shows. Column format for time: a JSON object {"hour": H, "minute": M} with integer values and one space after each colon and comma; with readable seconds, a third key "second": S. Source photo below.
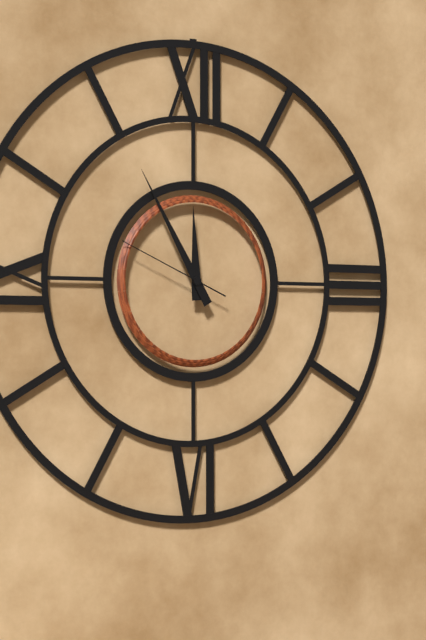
{"hour": 11, "minute": 55, "second": 49}
